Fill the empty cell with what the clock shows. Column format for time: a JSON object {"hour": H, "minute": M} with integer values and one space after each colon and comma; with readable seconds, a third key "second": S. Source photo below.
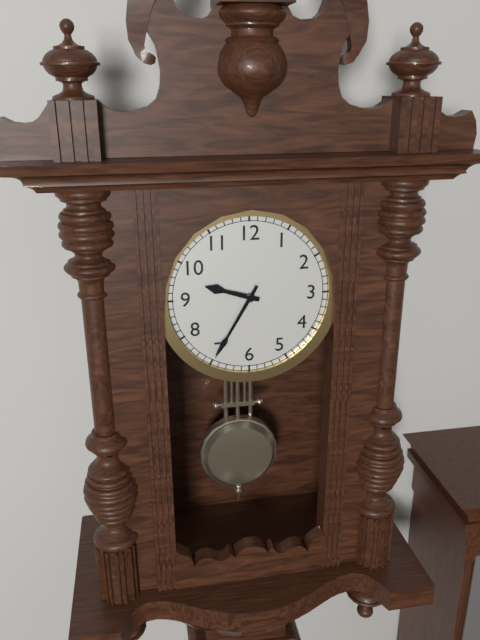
{"hour": 9, "minute": 35}
